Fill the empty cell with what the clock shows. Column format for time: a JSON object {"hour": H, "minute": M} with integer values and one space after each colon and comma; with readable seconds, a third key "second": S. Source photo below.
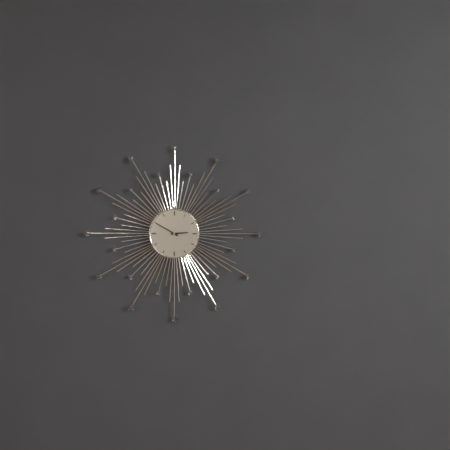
{"hour": 2, "minute": 50}
